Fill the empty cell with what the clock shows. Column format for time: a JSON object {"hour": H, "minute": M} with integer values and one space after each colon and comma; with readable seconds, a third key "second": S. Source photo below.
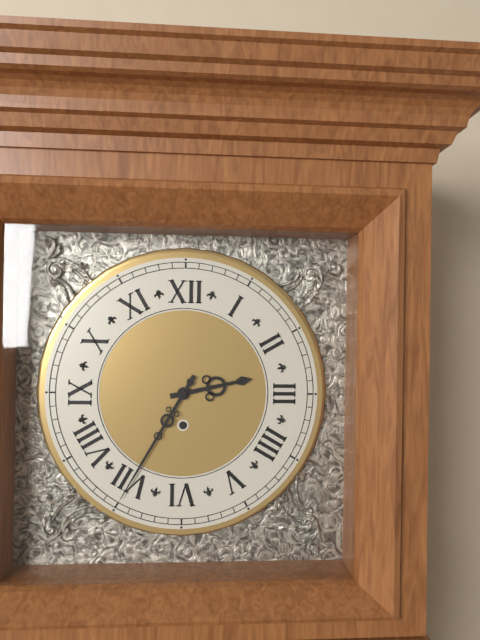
{"hour": 2, "minute": 35}
